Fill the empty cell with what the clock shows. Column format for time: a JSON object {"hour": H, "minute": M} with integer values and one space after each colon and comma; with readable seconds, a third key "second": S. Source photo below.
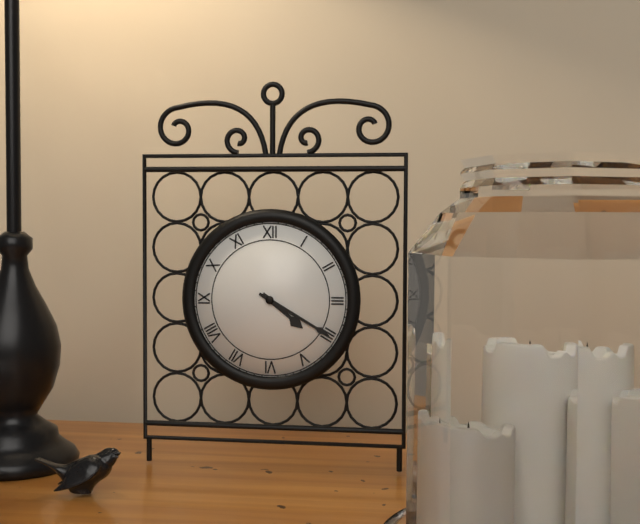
{"hour": 4, "minute": 20}
